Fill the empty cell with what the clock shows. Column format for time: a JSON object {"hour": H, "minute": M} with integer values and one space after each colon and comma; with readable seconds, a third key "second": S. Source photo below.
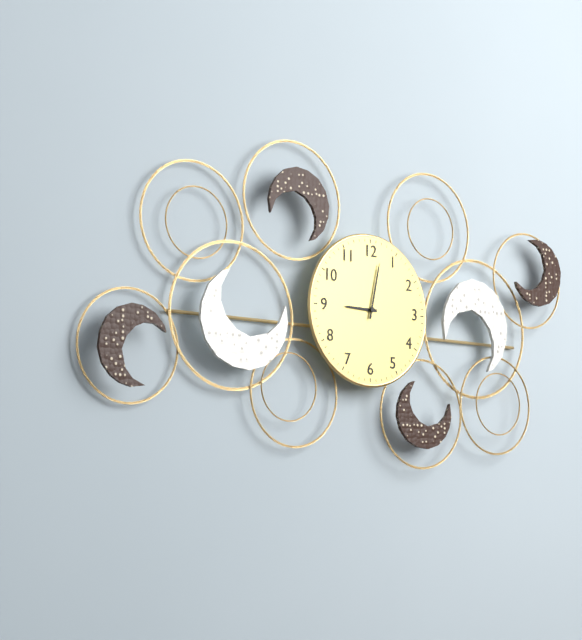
{"hour": 9, "minute": 2}
